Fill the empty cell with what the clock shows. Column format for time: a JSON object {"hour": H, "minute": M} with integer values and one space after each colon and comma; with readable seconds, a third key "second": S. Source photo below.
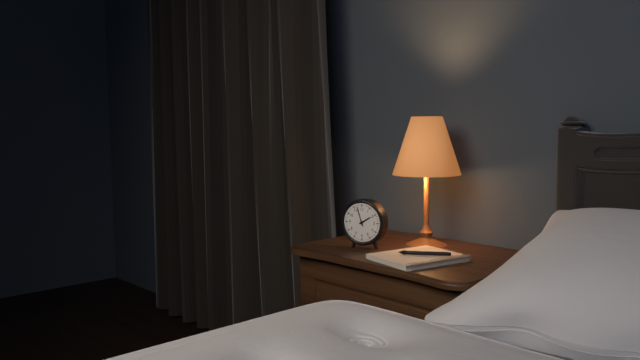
{"hour": 1, "minute": 57}
